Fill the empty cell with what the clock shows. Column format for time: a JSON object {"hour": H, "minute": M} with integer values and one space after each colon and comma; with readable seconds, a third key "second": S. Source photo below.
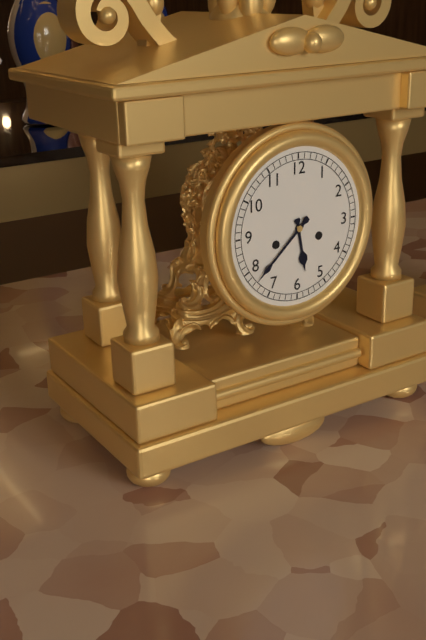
{"hour": 5, "minute": 38}
